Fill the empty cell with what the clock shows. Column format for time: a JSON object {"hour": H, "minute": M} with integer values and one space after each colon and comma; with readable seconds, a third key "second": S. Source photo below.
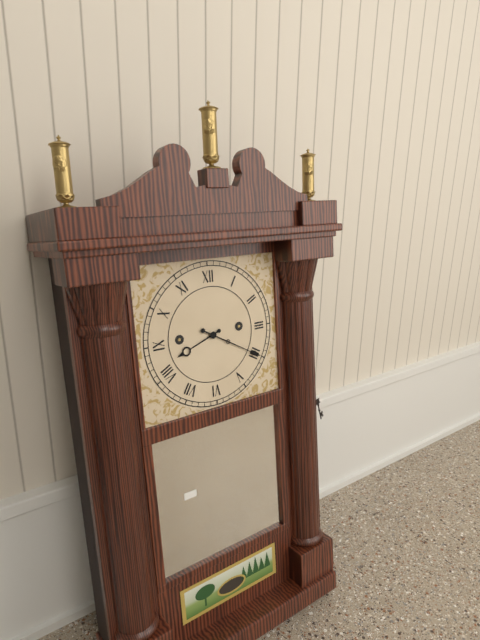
{"hour": 8, "minute": 20}
